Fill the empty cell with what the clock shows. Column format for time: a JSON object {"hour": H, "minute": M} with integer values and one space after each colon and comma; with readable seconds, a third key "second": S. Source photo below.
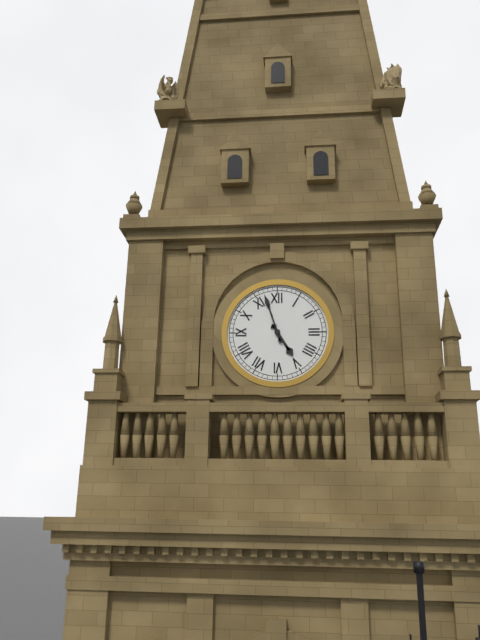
{"hour": 4, "minute": 57}
